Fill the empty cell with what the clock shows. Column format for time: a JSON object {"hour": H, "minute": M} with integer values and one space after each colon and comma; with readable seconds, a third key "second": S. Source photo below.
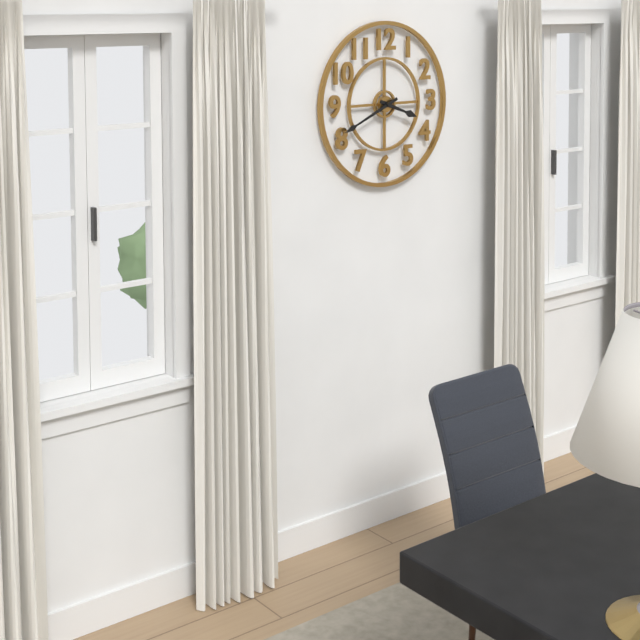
{"hour": 3, "minute": 41}
